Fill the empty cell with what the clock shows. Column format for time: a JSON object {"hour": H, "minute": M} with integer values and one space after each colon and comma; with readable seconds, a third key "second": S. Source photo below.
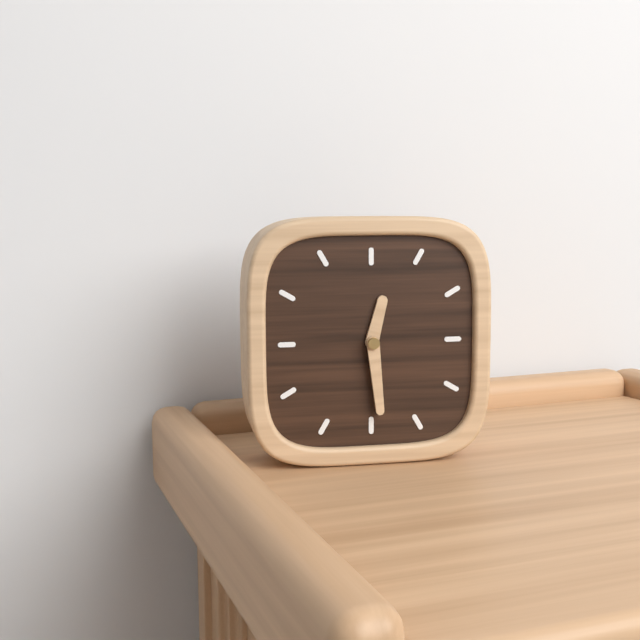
{"hour": 12, "minute": 29}
